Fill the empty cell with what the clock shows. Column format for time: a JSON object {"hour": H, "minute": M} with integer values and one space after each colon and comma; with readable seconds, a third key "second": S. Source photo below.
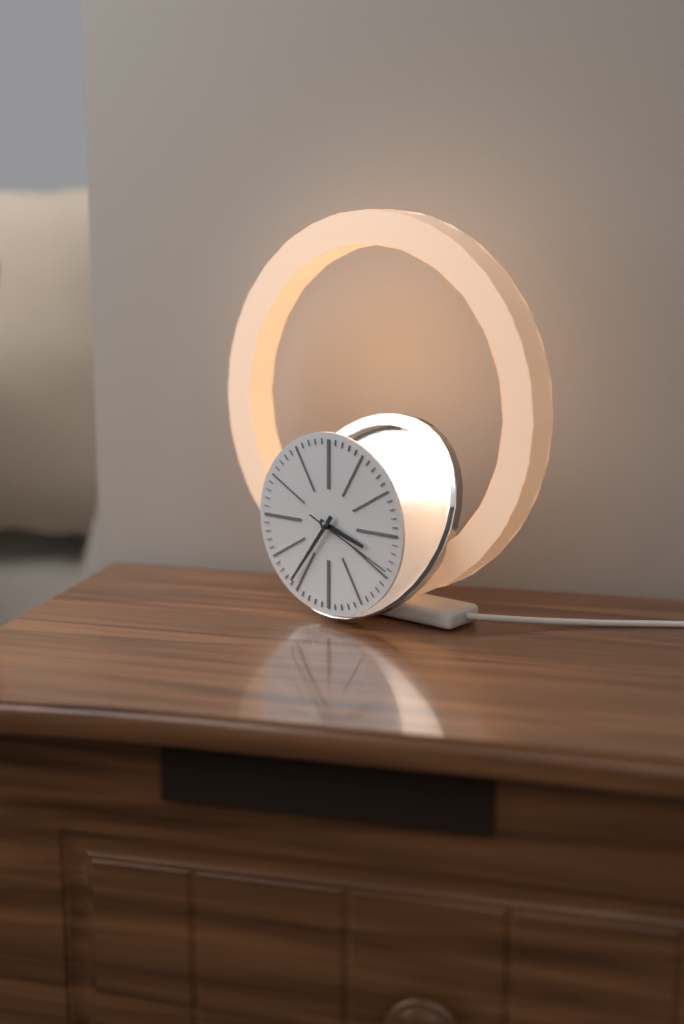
{"hour": 3, "minute": 36, "second": 19}
